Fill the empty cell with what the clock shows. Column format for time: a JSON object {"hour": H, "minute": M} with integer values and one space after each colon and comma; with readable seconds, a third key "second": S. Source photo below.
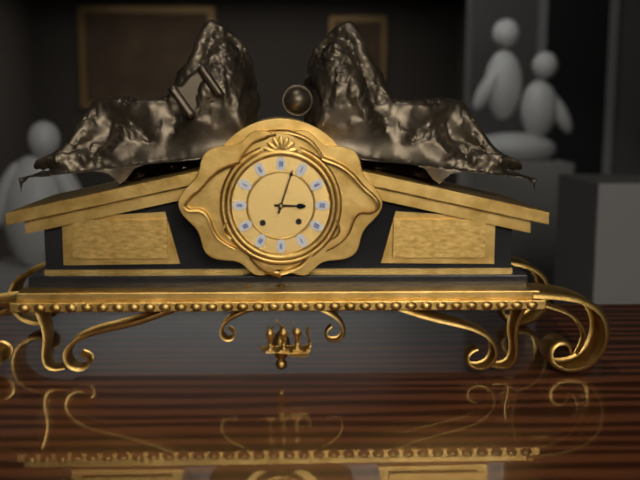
{"hour": 3, "minute": 3}
